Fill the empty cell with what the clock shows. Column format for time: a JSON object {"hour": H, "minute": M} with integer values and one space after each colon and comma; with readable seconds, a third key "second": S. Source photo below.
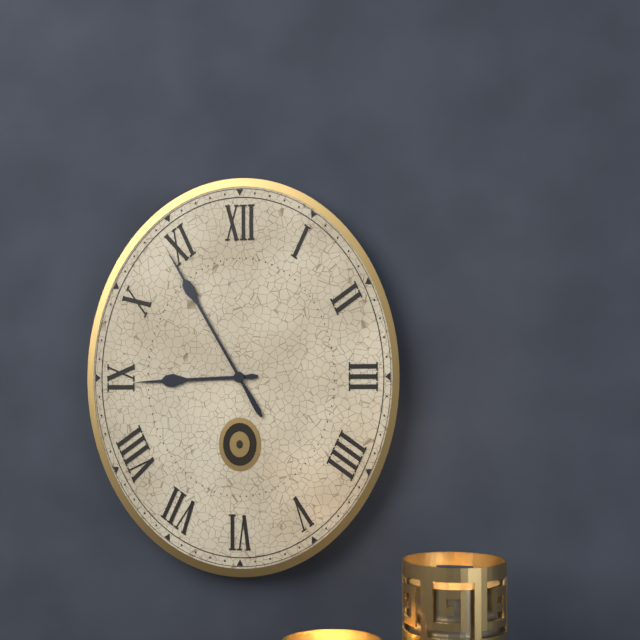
{"hour": 8, "minute": 55}
